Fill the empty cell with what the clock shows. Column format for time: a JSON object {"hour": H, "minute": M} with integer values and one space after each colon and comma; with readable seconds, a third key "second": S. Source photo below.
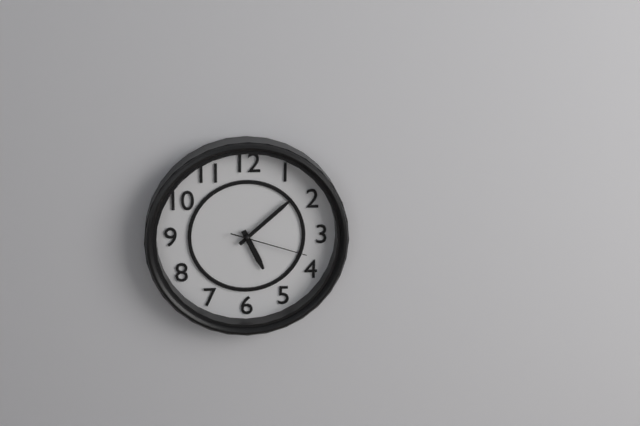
{"hour": 5, "minute": 8, "second": 18}
